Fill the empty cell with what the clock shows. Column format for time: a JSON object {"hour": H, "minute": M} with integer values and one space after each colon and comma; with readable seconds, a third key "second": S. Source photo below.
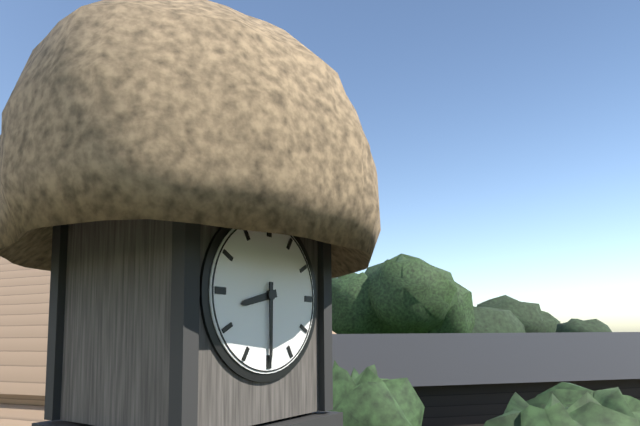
{"hour": 8, "minute": 30}
